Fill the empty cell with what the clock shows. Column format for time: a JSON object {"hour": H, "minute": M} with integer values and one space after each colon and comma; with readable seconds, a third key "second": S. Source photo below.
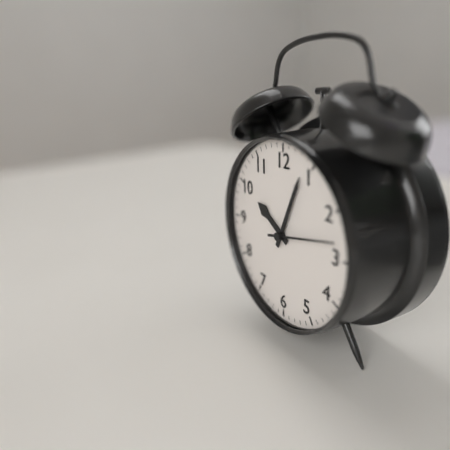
{"hour": 10, "minute": 4, "second": 13}
